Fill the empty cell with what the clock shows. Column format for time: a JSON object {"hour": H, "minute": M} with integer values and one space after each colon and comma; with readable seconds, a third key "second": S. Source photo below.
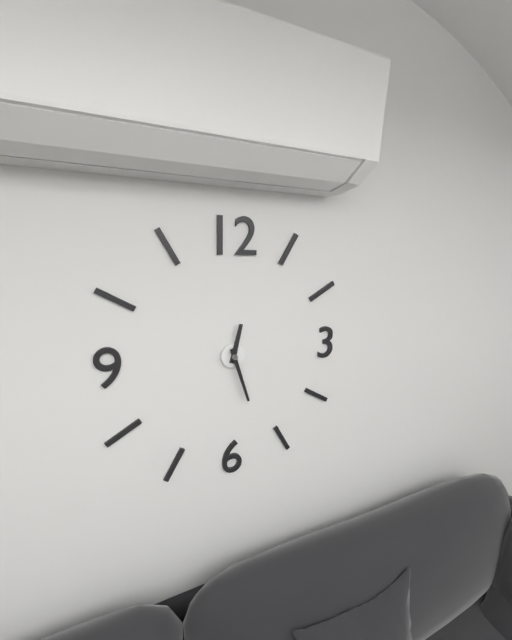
{"hour": 12, "minute": 27}
